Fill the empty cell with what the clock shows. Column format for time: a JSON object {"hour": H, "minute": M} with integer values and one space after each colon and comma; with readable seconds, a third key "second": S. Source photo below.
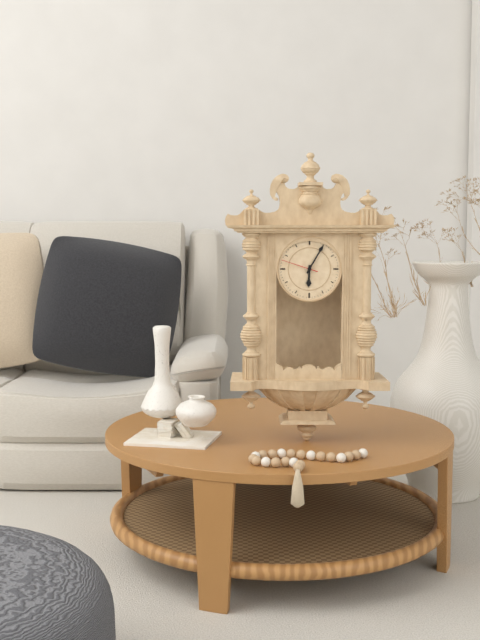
{"hour": 6, "minute": 5}
